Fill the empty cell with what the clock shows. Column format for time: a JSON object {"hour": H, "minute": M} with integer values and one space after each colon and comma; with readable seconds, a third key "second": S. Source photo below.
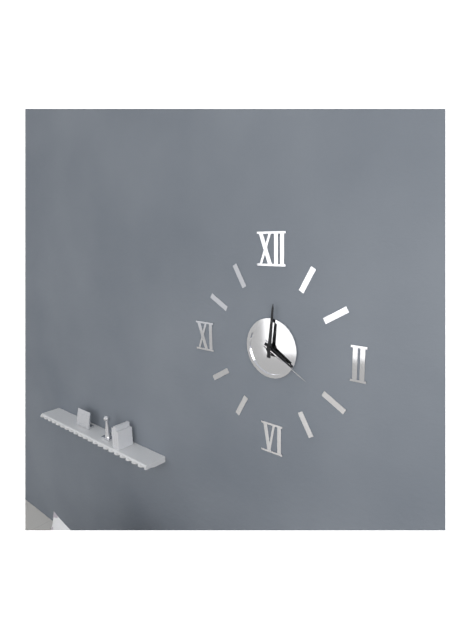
{"hour": 4, "minute": 1, "second": 20}
